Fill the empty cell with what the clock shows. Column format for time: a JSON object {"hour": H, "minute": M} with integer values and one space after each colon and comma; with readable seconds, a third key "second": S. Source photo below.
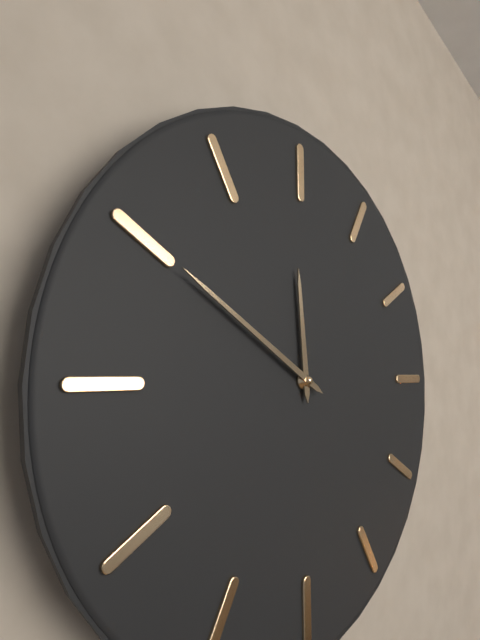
{"hour": 11, "minute": 50}
